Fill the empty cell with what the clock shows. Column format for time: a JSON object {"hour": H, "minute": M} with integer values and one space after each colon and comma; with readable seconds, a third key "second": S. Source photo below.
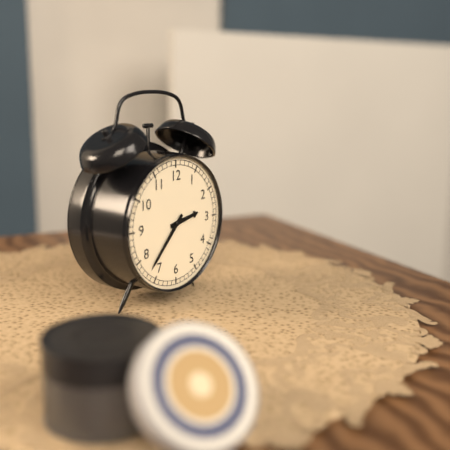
{"hour": 2, "minute": 37}
